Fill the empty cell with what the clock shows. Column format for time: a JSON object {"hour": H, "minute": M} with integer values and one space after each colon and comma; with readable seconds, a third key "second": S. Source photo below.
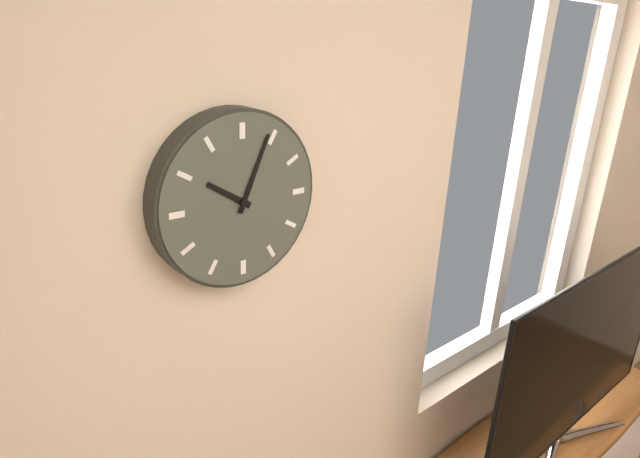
{"hour": 10, "minute": 4}
